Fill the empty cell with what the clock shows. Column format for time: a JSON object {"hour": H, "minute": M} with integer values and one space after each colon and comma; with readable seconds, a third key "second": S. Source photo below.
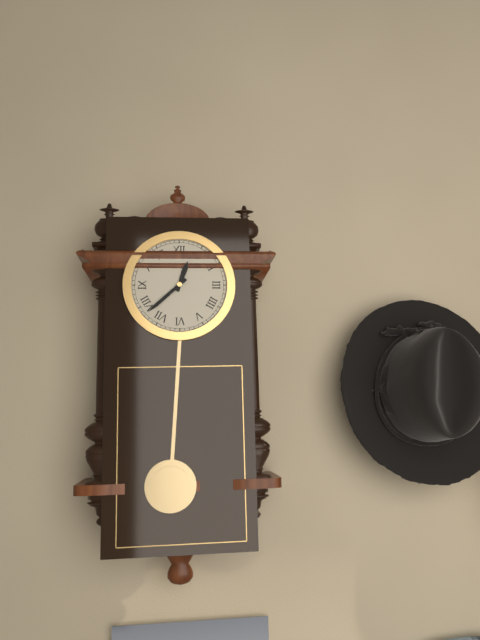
{"hour": 12, "minute": 38}
